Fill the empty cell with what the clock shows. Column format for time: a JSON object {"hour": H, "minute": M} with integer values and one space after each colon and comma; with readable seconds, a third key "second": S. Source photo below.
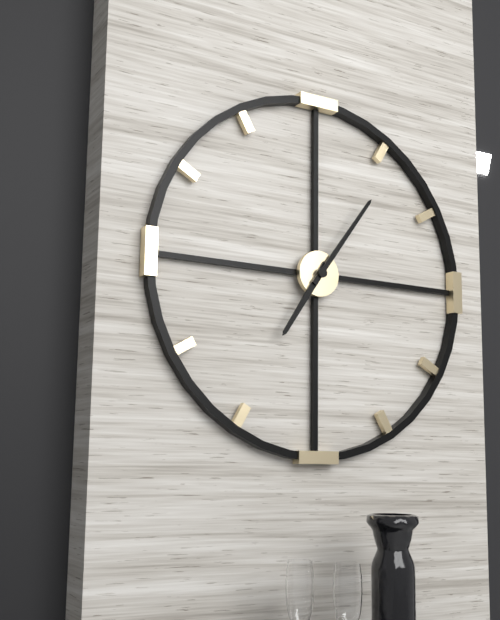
{"hour": 7, "minute": 6}
